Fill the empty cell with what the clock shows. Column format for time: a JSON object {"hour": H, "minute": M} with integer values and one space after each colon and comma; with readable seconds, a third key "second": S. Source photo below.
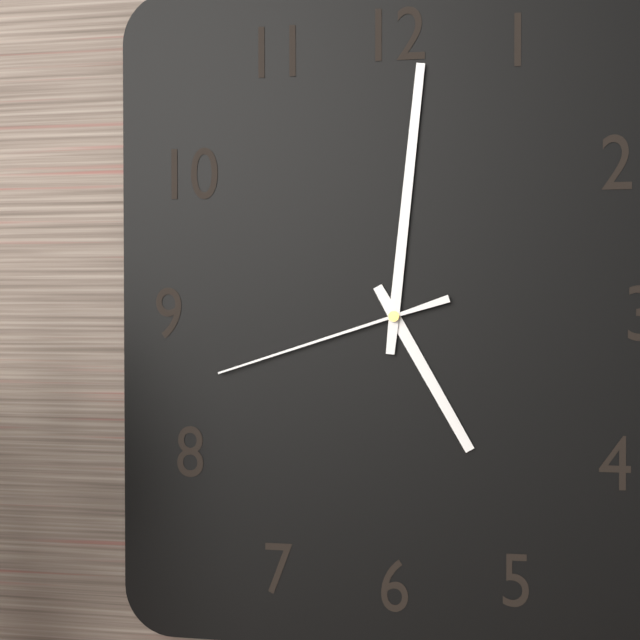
{"hour": 5, "minute": 1, "second": 42}
